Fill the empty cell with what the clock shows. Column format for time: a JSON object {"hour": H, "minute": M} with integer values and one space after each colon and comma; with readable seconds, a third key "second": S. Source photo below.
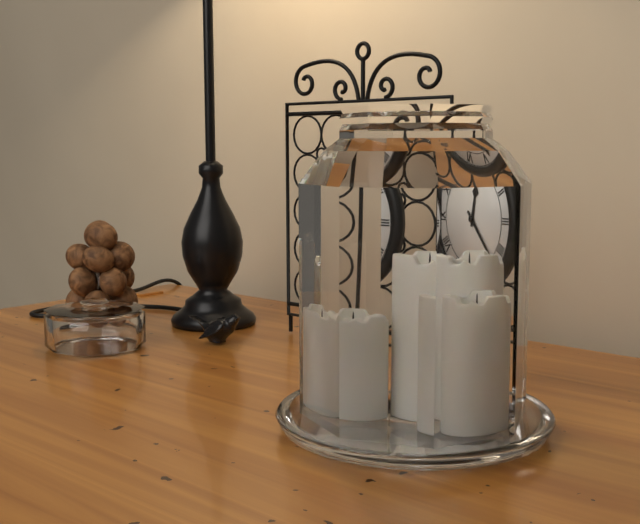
{"hour": 12, "minute": 23}
